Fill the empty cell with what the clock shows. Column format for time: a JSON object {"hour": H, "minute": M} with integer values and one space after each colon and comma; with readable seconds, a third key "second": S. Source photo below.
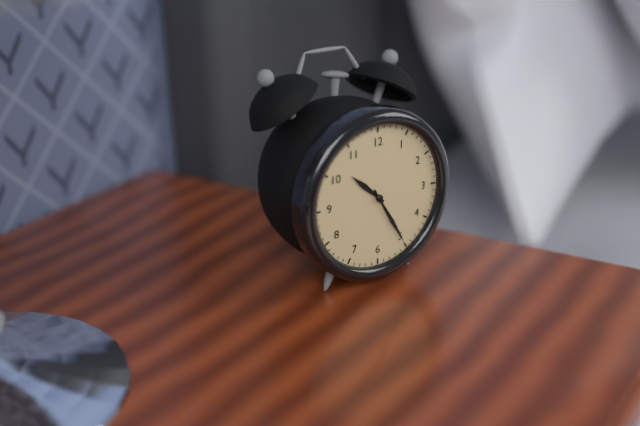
{"hour": 10, "minute": 25}
